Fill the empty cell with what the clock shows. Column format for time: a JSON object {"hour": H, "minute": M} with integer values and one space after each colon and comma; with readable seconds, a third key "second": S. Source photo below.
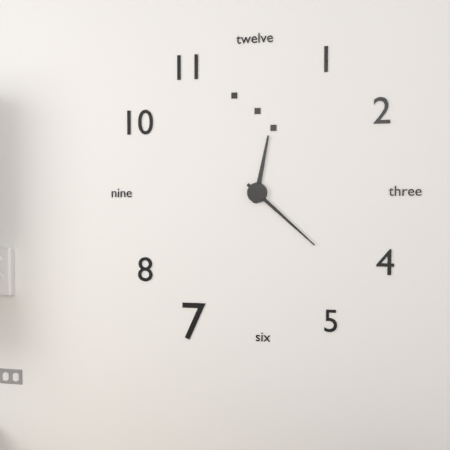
{"hour": 12, "minute": 22}
